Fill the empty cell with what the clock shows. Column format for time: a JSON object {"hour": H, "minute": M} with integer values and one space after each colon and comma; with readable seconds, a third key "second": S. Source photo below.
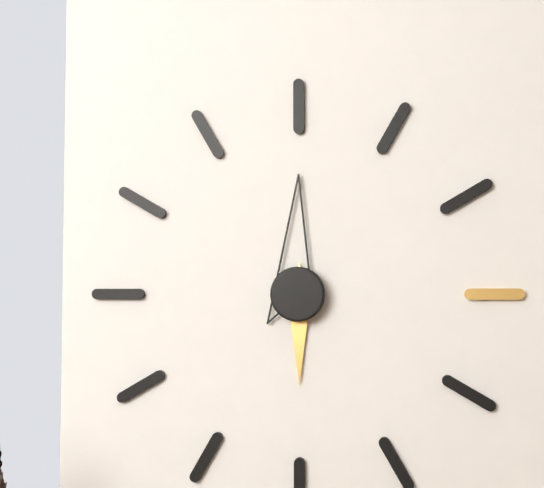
{"hour": 6, "minute": 0}
